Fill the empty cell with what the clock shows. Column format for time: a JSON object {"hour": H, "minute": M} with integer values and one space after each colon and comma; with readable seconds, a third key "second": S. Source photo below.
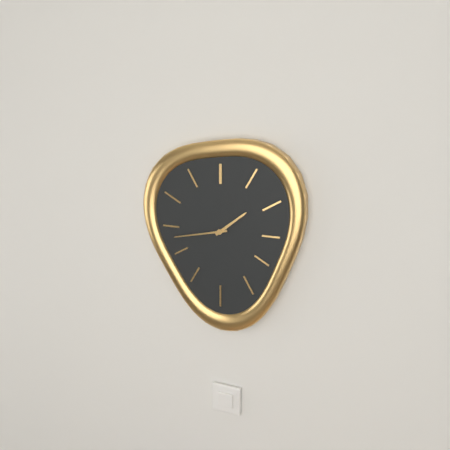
{"hour": 1, "minute": 43}
